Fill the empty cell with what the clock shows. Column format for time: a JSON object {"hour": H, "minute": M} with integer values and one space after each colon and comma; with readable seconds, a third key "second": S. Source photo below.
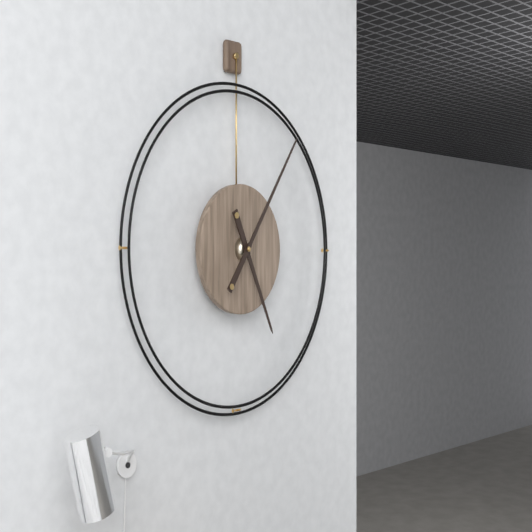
{"hour": 5, "minute": 6}
